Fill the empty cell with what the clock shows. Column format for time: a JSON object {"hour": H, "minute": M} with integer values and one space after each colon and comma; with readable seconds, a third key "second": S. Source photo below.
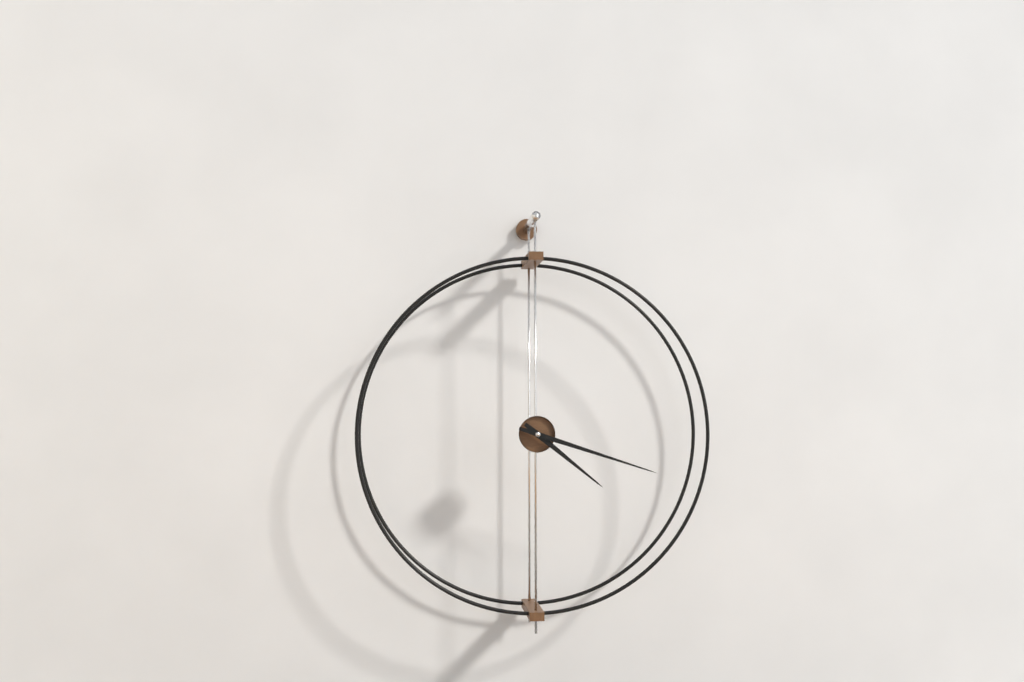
{"hour": 4, "minute": 18}
